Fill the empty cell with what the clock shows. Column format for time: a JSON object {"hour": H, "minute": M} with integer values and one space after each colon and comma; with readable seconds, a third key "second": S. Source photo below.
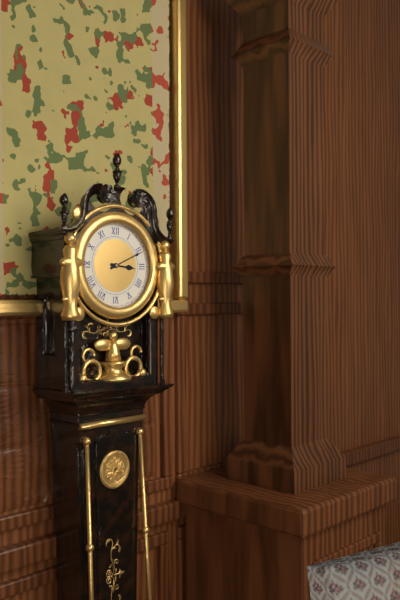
{"hour": 3, "minute": 11}
